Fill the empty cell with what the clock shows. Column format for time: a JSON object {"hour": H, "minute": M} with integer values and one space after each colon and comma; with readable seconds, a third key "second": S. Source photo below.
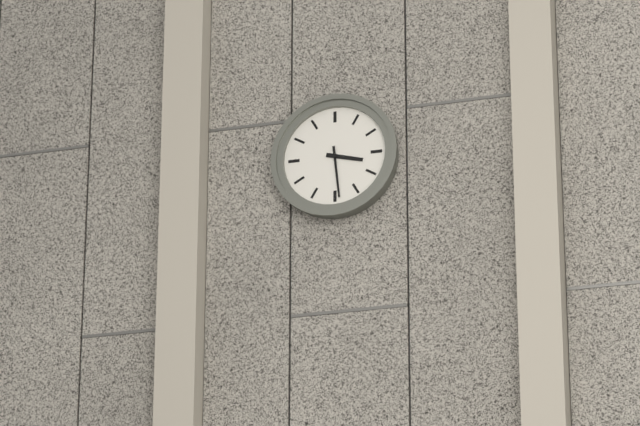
{"hour": 3, "minute": 29}
